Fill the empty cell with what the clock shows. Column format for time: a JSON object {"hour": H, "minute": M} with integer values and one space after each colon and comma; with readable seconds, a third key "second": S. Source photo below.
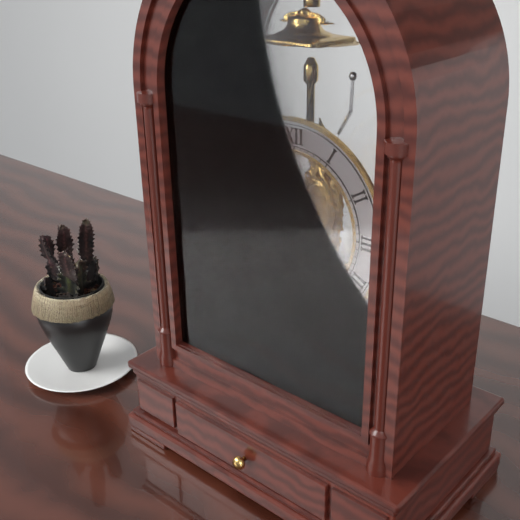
{"hour": 5, "minute": 35}
